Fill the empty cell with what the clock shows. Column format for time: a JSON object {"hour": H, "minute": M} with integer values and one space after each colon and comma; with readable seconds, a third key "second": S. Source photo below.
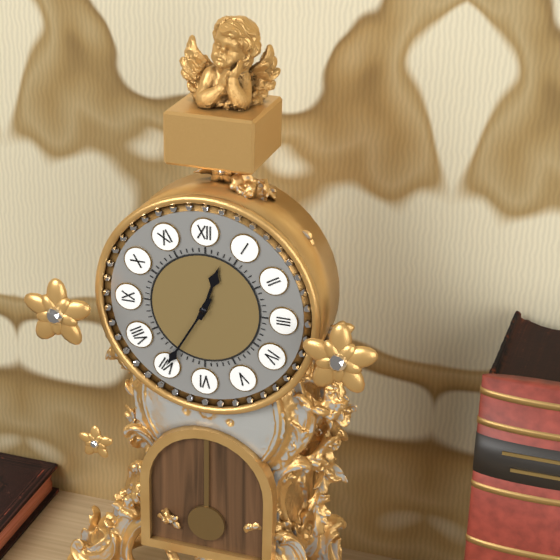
{"hour": 12, "minute": 35}
